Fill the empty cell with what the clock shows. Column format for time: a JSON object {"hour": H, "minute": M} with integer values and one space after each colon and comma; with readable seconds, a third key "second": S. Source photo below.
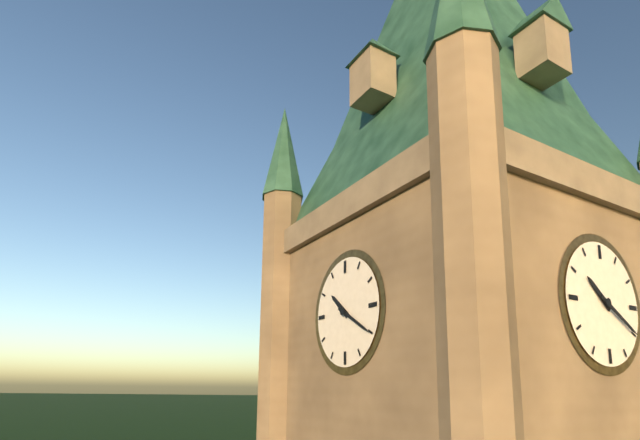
{"hour": 10, "minute": 20}
